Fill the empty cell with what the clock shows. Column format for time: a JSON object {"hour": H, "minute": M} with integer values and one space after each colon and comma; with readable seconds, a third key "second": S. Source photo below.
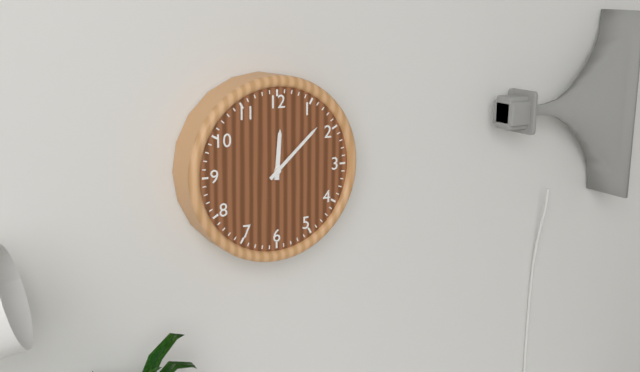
{"hour": 12, "minute": 8}
